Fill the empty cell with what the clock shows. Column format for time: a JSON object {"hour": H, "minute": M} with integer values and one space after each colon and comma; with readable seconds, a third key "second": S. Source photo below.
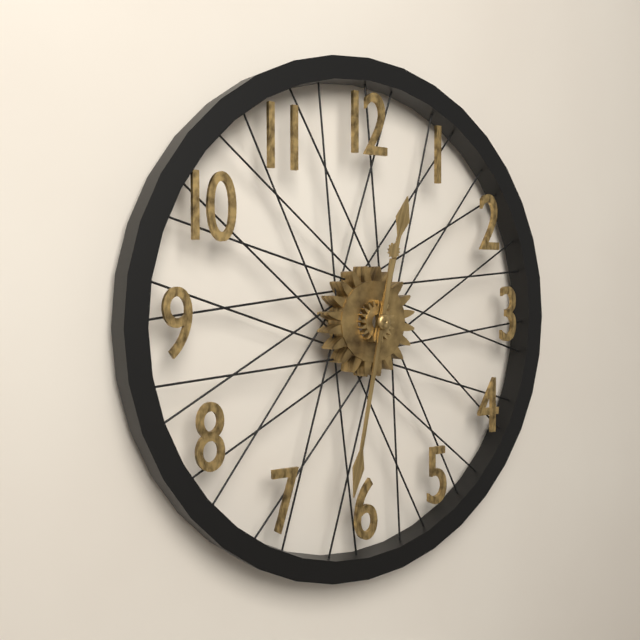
{"hour": 12, "minute": 32}
